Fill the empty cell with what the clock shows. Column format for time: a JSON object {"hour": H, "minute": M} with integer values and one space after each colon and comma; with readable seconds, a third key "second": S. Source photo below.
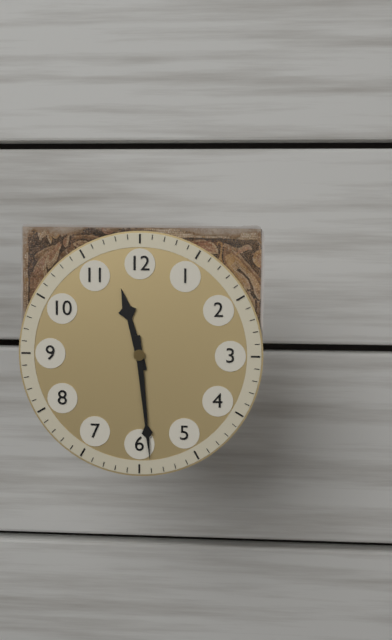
{"hour": 11, "minute": 29}
